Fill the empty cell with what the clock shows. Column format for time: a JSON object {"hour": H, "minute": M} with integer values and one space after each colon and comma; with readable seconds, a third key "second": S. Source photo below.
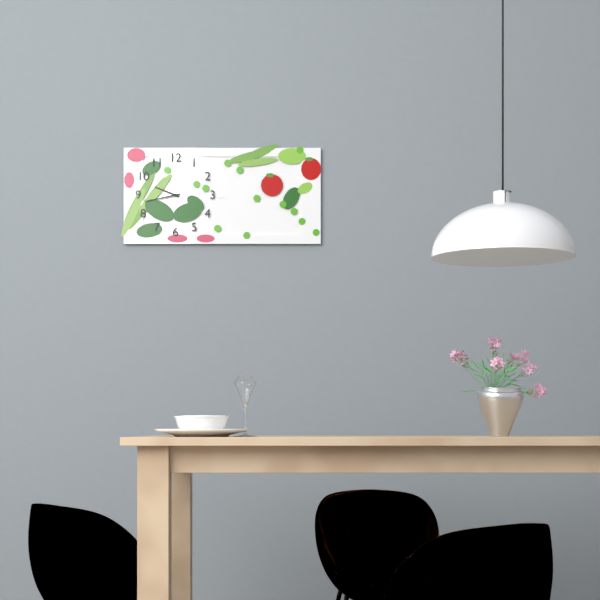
{"hour": 9, "minute": 43}
